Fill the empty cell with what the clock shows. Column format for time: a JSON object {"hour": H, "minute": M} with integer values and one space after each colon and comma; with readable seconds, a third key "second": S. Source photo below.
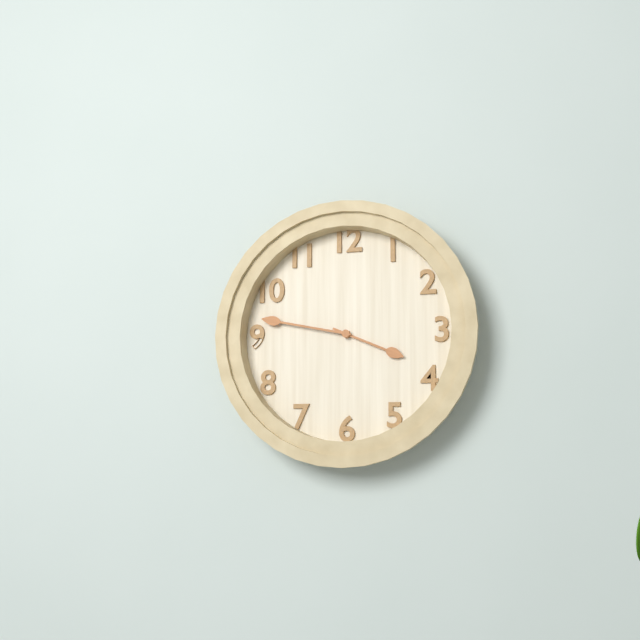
{"hour": 3, "minute": 47}
